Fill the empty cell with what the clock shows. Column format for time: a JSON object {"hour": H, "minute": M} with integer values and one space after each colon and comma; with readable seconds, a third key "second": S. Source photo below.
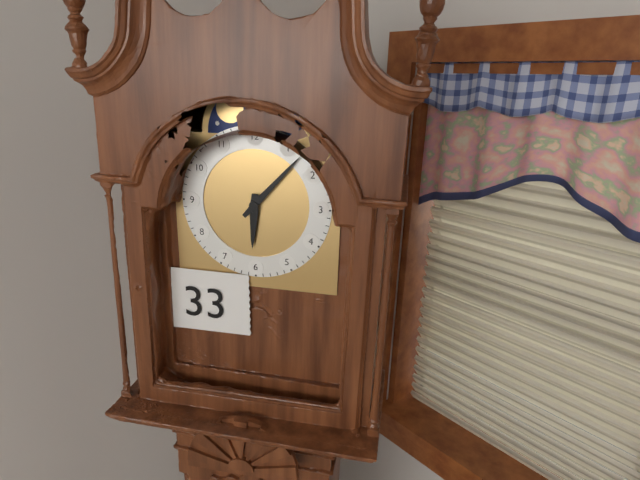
{"hour": 6, "minute": 7}
